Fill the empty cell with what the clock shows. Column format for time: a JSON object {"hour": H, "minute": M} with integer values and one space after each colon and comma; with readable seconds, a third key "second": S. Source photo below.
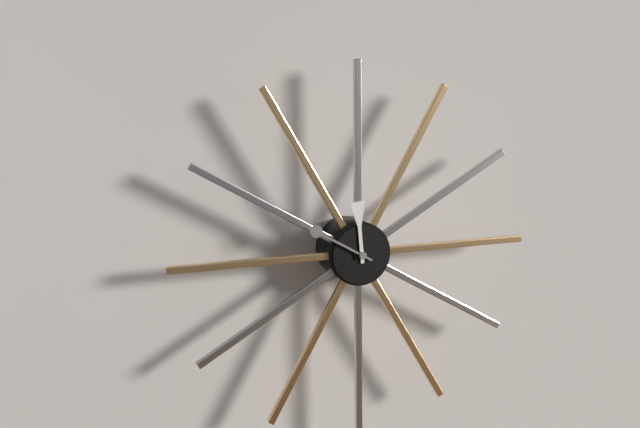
{"hour": 11, "minute": 50}
